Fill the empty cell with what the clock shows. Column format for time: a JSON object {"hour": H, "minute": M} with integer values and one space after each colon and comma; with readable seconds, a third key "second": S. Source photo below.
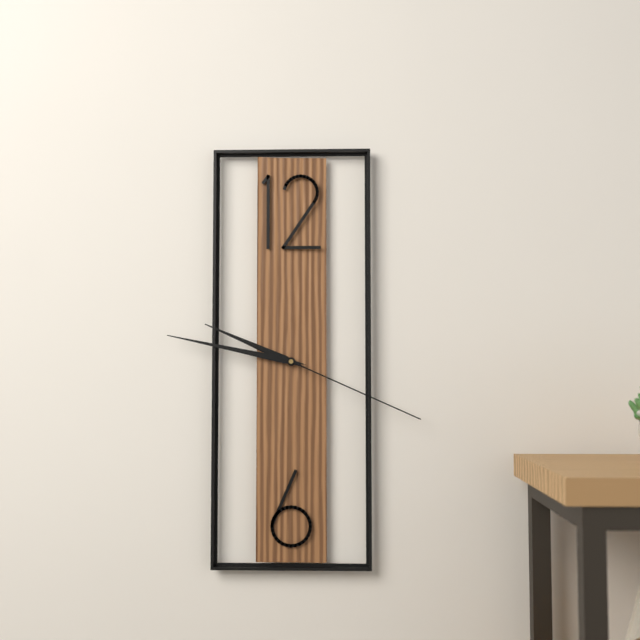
{"hour": 9, "minute": 47, "second": 19}
